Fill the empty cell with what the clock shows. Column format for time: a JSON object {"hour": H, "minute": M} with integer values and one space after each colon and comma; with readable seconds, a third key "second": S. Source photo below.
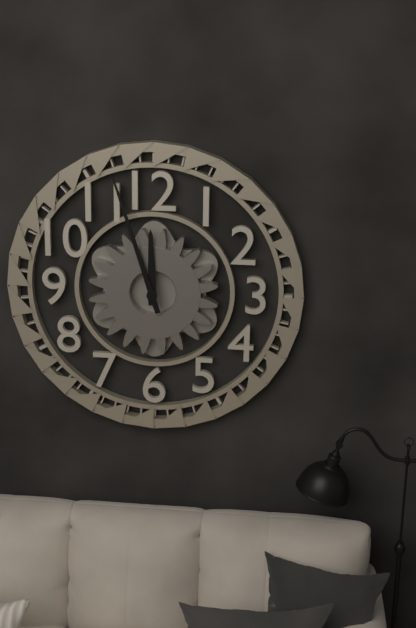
{"hour": 11, "minute": 57}
